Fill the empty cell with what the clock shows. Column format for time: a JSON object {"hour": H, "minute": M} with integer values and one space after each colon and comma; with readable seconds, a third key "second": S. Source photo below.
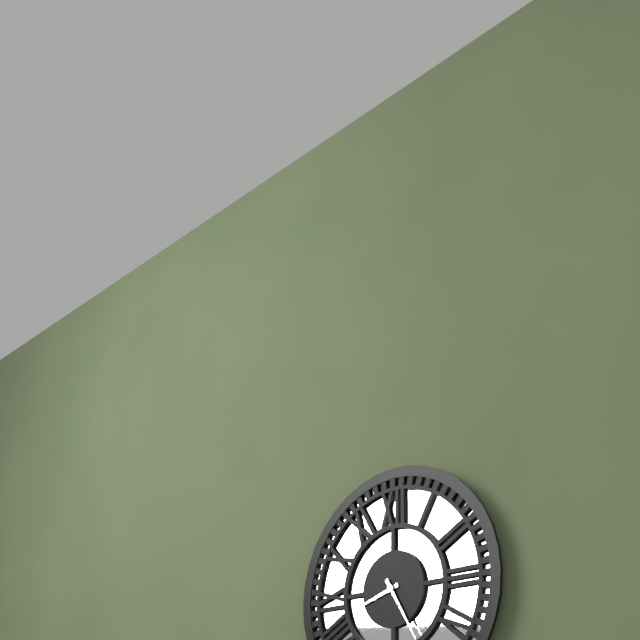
{"hour": 8, "minute": 25}
